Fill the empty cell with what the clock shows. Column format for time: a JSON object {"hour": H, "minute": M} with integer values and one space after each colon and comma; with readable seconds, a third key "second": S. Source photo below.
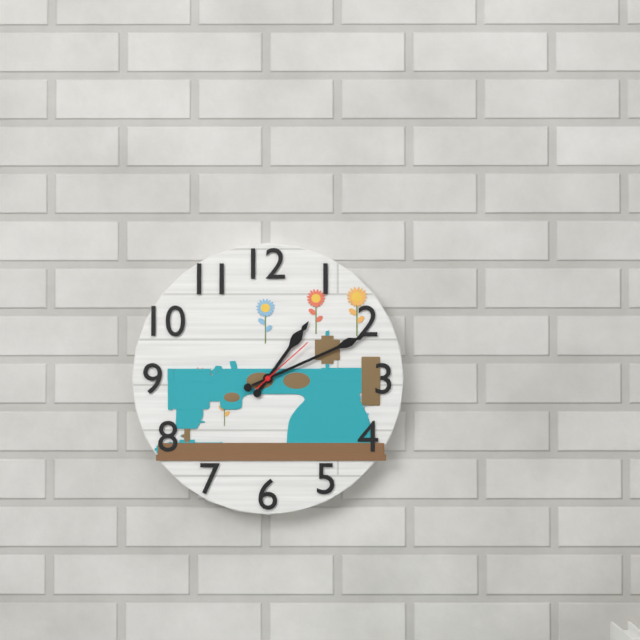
{"hour": 1, "minute": 11, "second": 8}
